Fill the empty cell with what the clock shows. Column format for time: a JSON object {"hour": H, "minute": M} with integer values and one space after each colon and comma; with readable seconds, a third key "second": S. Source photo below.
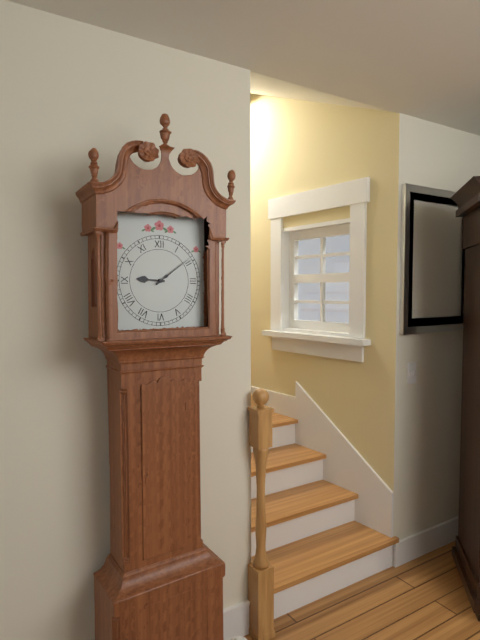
{"hour": 9, "minute": 9}
